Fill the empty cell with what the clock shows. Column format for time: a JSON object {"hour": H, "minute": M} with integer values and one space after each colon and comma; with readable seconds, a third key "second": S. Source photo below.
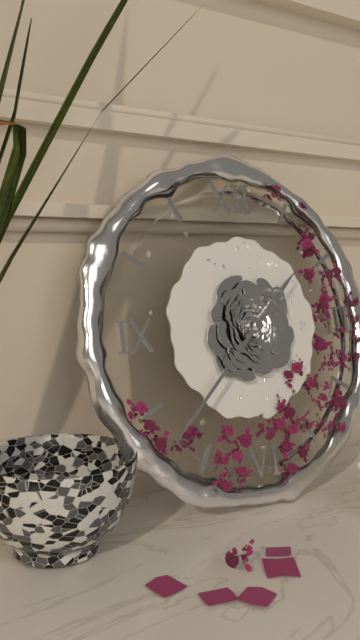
{"hour": 1, "minute": 38}
